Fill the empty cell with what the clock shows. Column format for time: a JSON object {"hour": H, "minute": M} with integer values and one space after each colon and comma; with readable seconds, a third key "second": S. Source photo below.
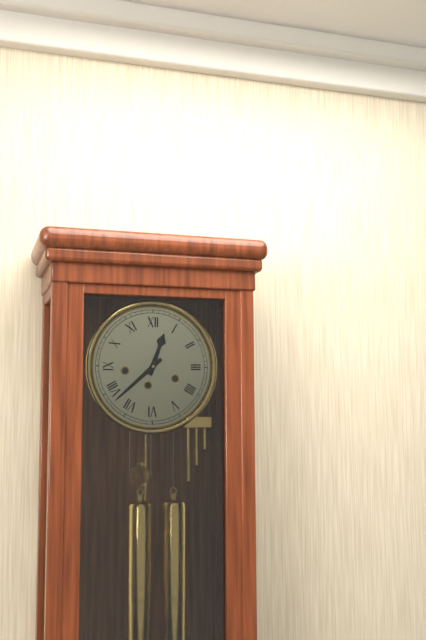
{"hour": 12, "minute": 38}
